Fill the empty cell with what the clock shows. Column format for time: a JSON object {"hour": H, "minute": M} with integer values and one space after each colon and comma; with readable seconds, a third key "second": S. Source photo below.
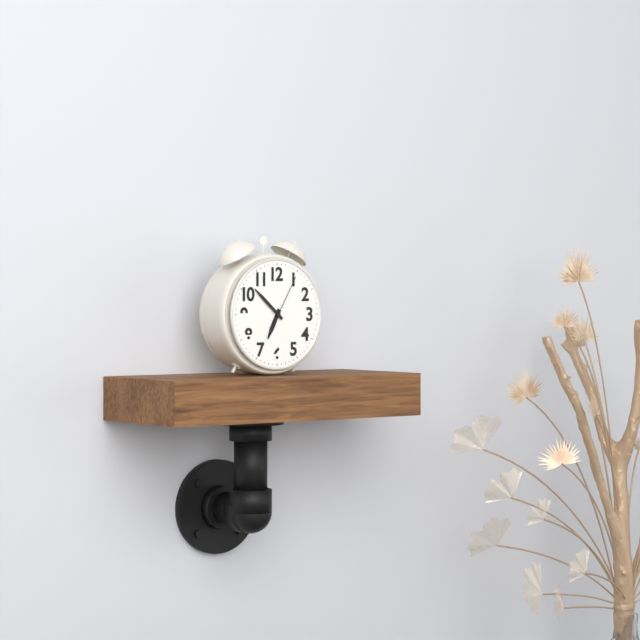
{"hour": 6, "minute": 52, "second": 5}
